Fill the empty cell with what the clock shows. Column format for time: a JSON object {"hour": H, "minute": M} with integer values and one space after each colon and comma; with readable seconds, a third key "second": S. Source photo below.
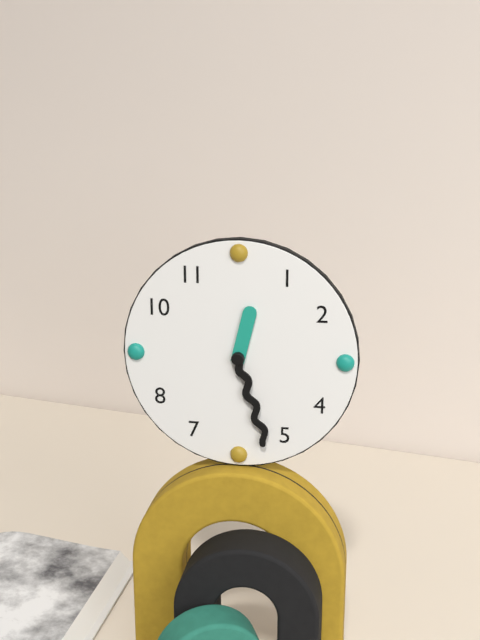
{"hour": 12, "minute": 27}
